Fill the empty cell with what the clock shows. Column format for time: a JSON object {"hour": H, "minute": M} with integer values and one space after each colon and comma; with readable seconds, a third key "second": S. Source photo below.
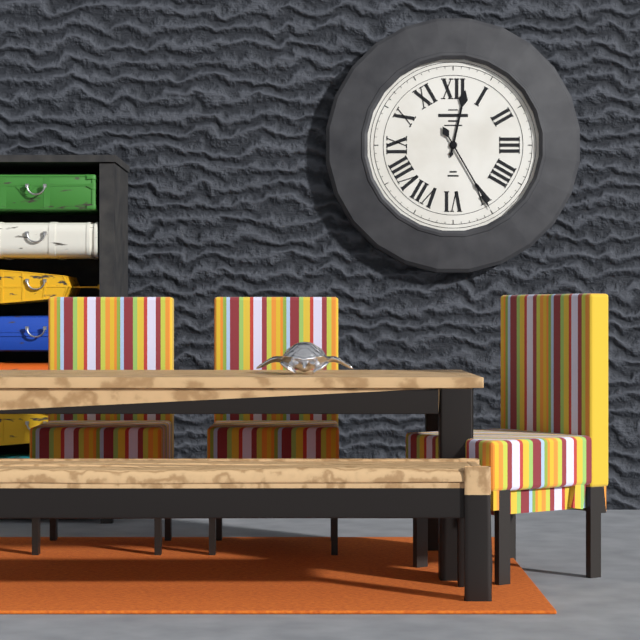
{"hour": 12, "minute": 25}
